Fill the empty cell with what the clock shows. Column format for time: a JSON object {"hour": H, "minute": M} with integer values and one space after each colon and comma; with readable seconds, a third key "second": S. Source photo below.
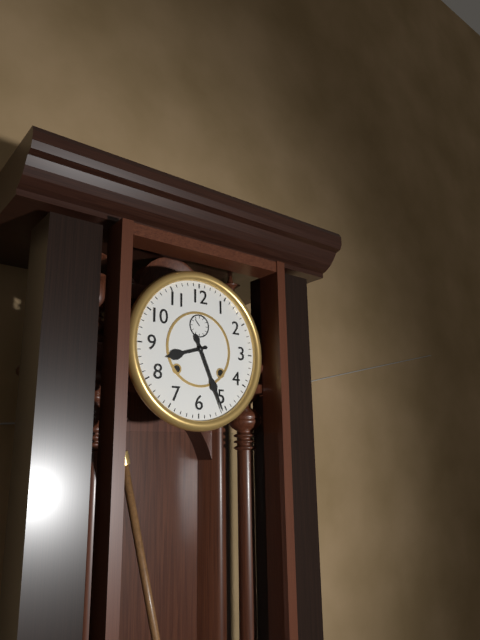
{"hour": 8, "minute": 26}
